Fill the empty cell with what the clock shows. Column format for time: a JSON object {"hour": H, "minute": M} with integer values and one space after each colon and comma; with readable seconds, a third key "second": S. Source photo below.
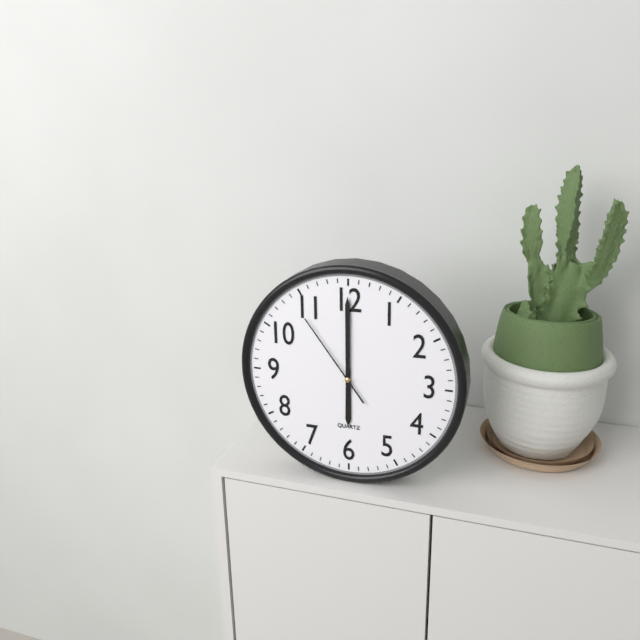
{"hour": 6, "minute": 0, "second": 54}
